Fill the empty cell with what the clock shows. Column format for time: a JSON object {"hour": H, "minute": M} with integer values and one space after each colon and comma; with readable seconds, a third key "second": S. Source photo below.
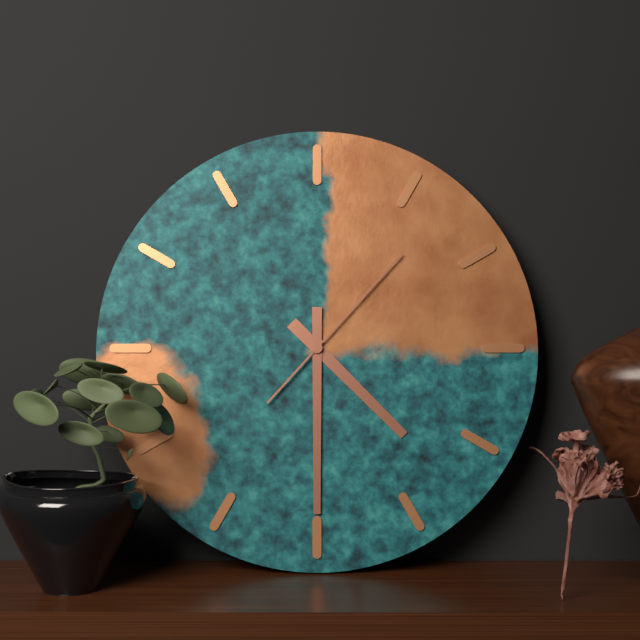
{"hour": 4, "minute": 30, "second": 7}
